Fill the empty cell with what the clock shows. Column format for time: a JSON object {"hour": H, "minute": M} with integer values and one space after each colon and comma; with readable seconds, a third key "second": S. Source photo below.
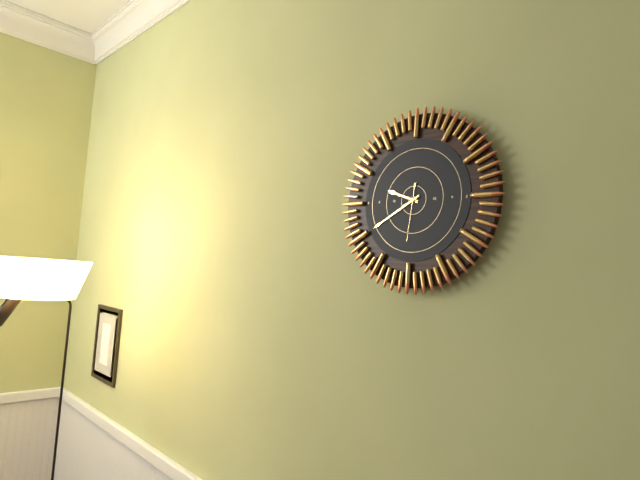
{"hour": 9, "minute": 40, "second": 31}
